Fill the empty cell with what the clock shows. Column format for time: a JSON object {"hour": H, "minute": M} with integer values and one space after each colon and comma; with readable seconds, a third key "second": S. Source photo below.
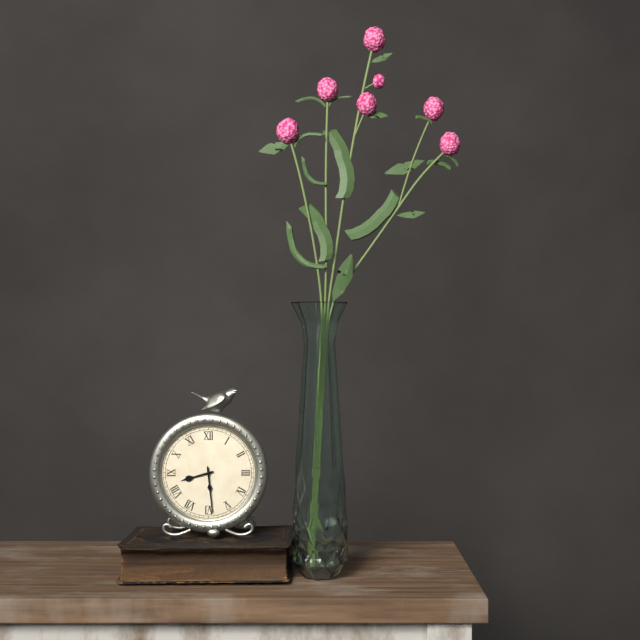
{"hour": 8, "minute": 29}
